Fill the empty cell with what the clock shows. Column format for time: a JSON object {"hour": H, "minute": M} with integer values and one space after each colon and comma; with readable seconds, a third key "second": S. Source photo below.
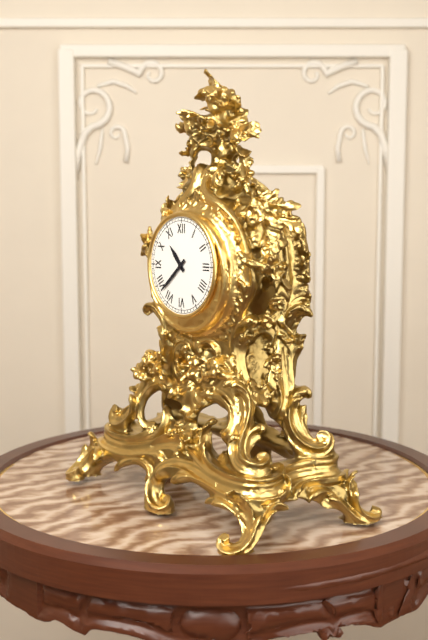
{"hour": 10, "minute": 38}
